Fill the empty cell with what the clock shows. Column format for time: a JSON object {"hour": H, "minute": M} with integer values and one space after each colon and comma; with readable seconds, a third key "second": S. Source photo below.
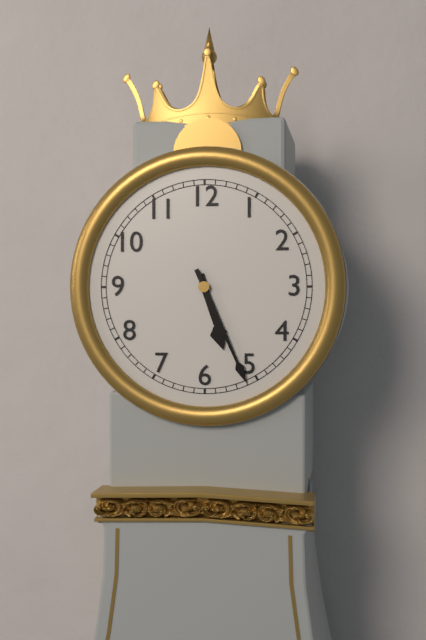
{"hour": 5, "minute": 26}
